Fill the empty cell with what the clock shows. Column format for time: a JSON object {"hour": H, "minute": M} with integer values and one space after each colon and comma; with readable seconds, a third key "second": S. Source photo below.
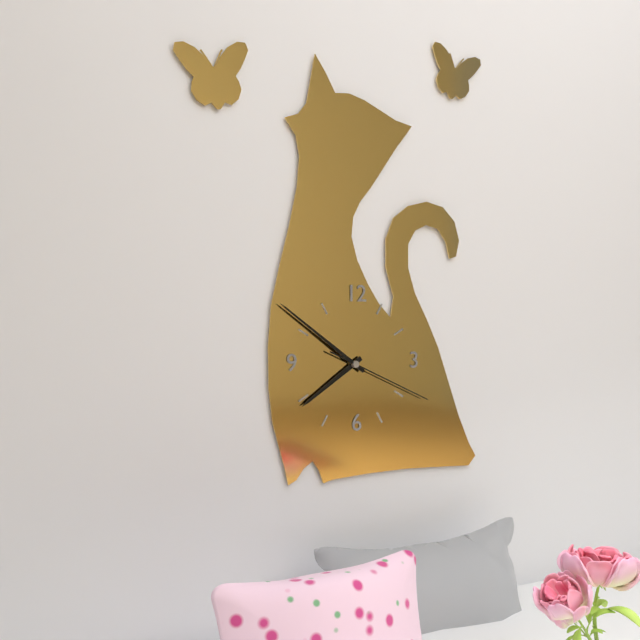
{"hour": 7, "minute": 51, "second": 19}
